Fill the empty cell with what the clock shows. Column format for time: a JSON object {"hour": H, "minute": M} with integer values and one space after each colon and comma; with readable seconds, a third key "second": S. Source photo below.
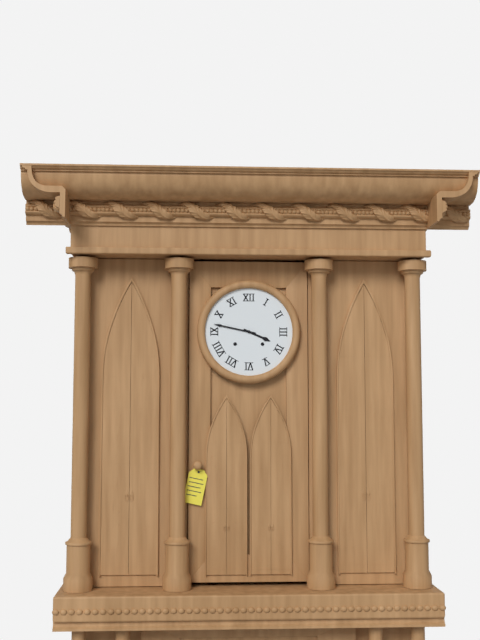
{"hour": 3, "minute": 47}
